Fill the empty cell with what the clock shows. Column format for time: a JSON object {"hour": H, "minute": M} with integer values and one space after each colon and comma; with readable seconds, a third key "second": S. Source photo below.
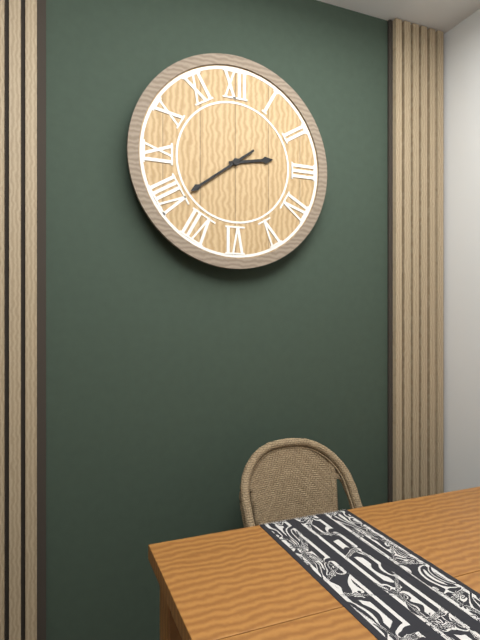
{"hour": 2, "minute": 39}
